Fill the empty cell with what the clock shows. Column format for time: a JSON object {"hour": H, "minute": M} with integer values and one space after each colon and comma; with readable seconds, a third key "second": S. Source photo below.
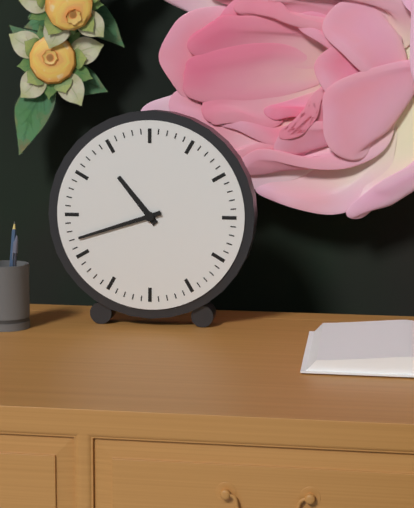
{"hour": 10, "minute": 42}
